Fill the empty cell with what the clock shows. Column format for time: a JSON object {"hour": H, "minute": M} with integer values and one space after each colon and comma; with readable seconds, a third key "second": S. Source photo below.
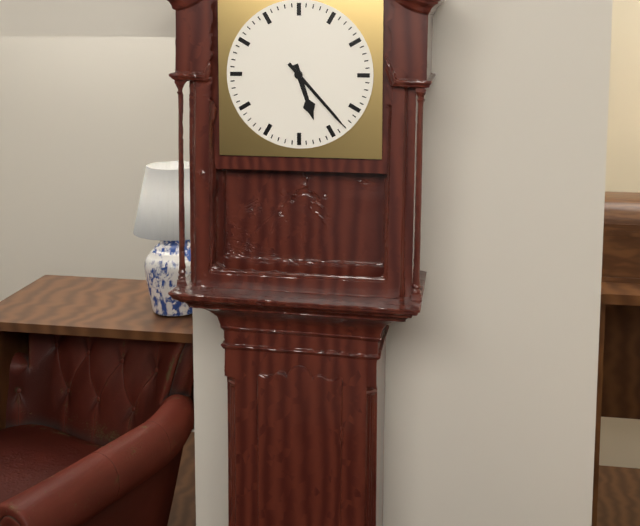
{"hour": 5, "minute": 23}
